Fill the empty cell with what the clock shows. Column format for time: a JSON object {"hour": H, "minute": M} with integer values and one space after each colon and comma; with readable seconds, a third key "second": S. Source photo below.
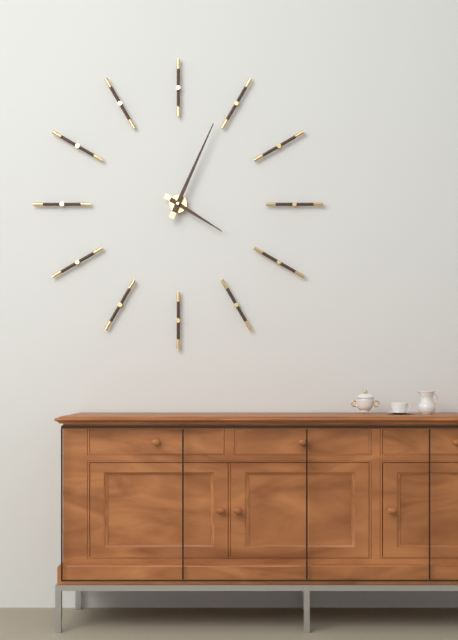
{"hour": 4, "minute": 4}
